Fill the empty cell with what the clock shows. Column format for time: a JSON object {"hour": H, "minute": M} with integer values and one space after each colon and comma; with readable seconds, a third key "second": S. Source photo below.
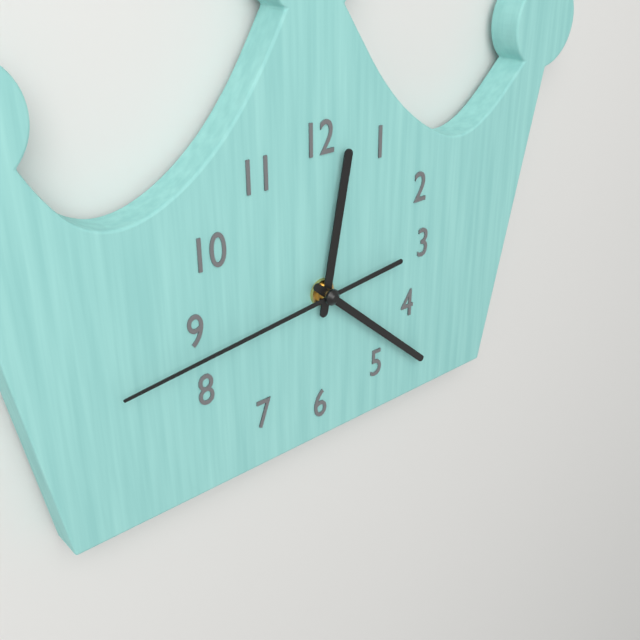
{"hour": 12, "minute": 22, "second": 44}
